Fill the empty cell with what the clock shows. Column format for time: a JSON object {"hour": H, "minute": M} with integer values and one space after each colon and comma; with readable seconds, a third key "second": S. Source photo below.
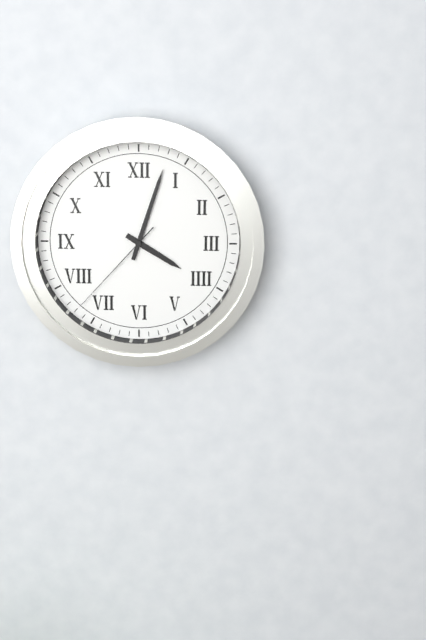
{"hour": 4, "minute": 3, "second": 37}
